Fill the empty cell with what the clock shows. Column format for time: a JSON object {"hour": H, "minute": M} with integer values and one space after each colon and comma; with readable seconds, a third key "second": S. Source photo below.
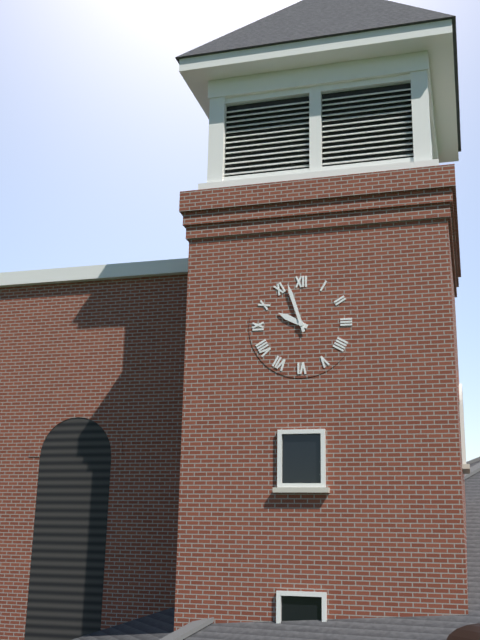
{"hour": 9, "minute": 57}
